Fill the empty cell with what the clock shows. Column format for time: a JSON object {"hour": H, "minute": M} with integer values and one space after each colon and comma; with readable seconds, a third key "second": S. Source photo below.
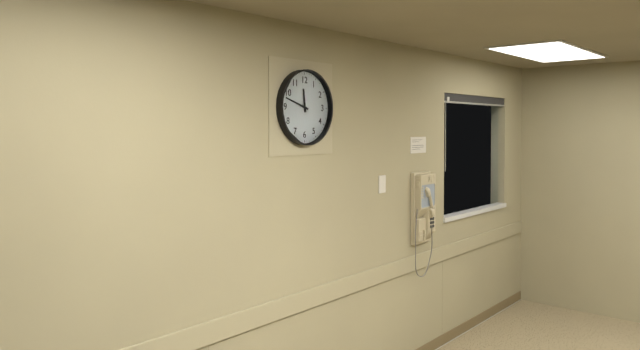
{"hour": 11, "minute": 48}
